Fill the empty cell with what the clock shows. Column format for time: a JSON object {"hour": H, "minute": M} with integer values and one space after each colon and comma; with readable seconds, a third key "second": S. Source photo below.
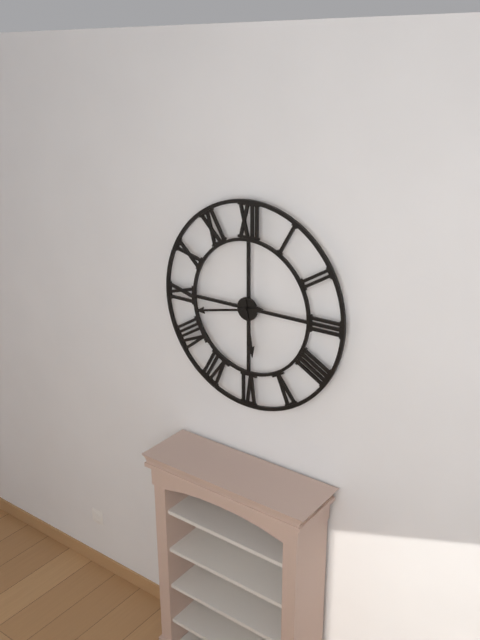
{"hour": 5, "minute": 43}
